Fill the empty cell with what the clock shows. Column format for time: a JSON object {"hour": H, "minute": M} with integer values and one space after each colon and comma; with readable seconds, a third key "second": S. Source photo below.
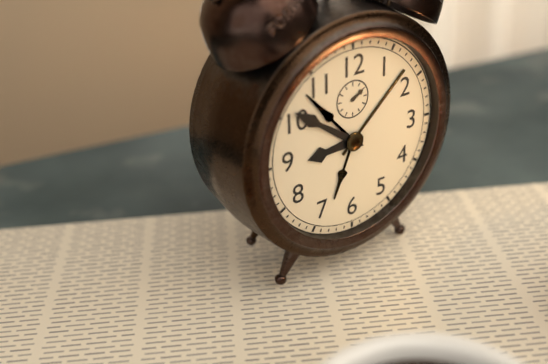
{"hour": 8, "minute": 51}
